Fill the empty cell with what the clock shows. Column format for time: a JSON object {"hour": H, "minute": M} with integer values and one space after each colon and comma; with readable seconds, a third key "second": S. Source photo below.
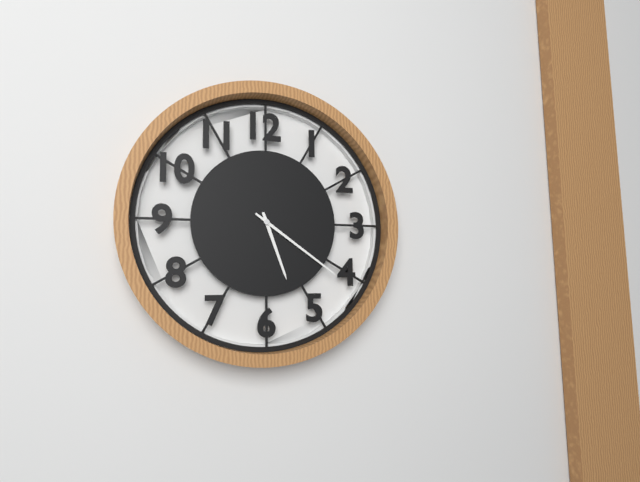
{"hour": 5, "minute": 21}
